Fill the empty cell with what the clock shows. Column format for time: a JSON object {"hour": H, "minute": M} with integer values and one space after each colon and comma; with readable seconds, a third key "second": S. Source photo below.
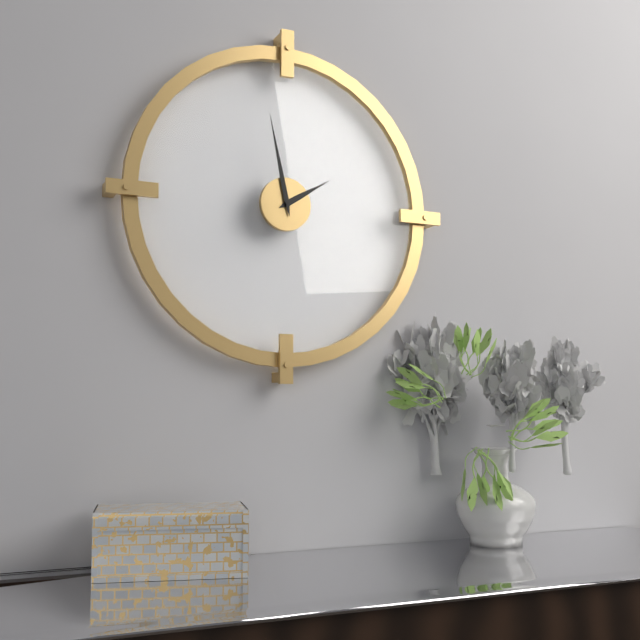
{"hour": 1, "minute": 58}
